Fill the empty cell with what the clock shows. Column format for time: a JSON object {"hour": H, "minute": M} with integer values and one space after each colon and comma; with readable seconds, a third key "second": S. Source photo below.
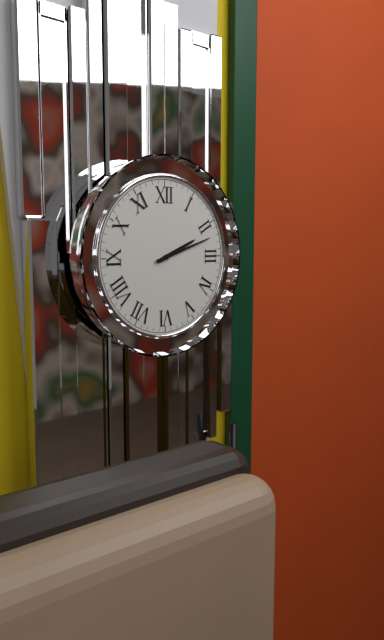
{"hour": 2, "minute": 12}
